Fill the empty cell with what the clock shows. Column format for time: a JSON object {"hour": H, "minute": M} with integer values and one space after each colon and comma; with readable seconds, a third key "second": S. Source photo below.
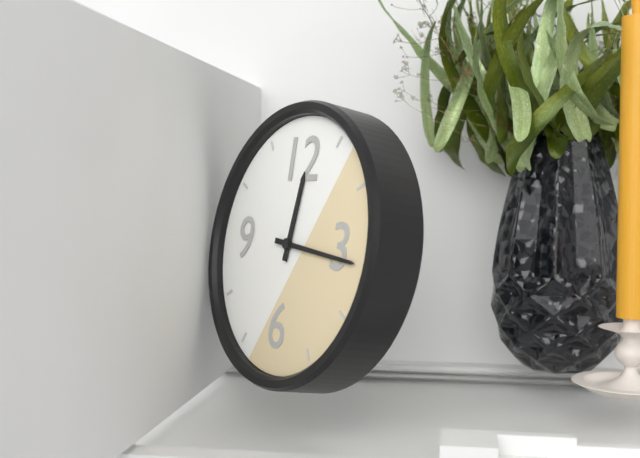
{"hour": 12, "minute": 16}
